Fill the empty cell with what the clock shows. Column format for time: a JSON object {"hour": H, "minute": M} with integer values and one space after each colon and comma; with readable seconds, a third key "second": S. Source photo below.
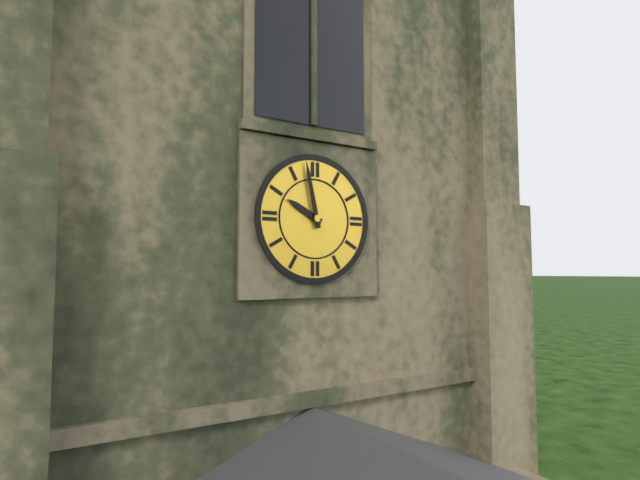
{"hour": 9, "minute": 58}
